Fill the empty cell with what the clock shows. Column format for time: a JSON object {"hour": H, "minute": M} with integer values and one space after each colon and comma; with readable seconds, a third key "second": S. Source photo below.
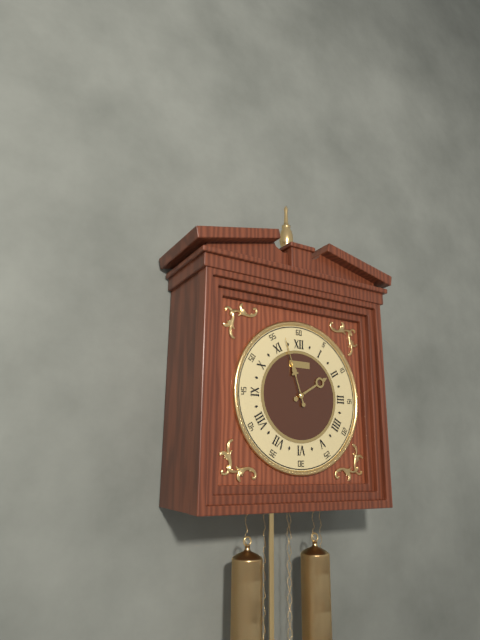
{"hour": 1, "minute": 57}
